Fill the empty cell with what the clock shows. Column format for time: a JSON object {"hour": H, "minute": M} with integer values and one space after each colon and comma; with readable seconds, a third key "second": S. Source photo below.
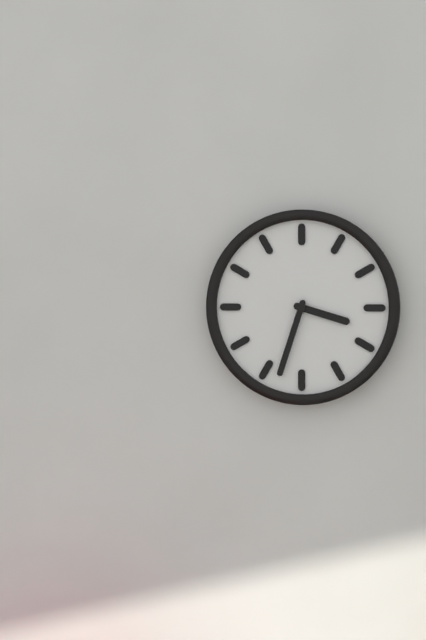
{"hour": 3, "minute": 33}
